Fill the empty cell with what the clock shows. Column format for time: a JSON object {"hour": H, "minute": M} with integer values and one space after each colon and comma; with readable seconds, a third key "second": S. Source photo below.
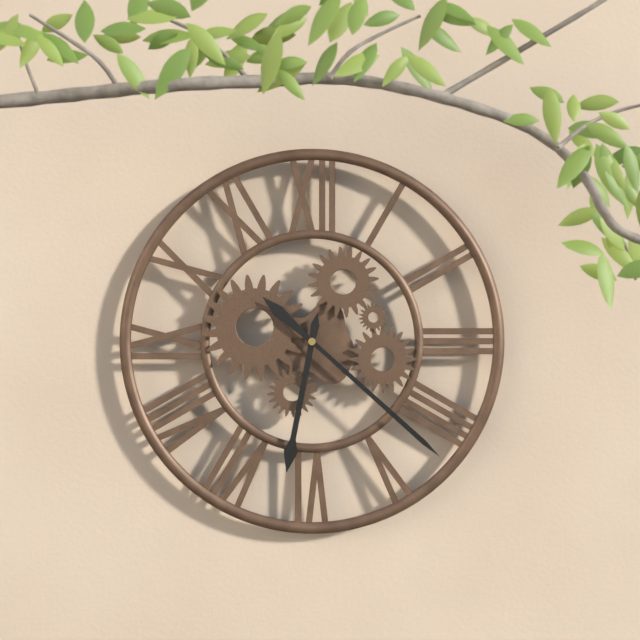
{"hour": 6, "minute": 22}
